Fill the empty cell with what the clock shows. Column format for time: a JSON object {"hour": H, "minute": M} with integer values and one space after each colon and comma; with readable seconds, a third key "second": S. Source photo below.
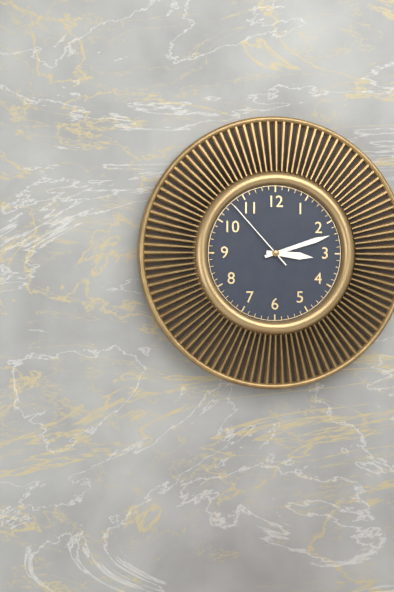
{"hour": 3, "minute": 12, "second": 53}
